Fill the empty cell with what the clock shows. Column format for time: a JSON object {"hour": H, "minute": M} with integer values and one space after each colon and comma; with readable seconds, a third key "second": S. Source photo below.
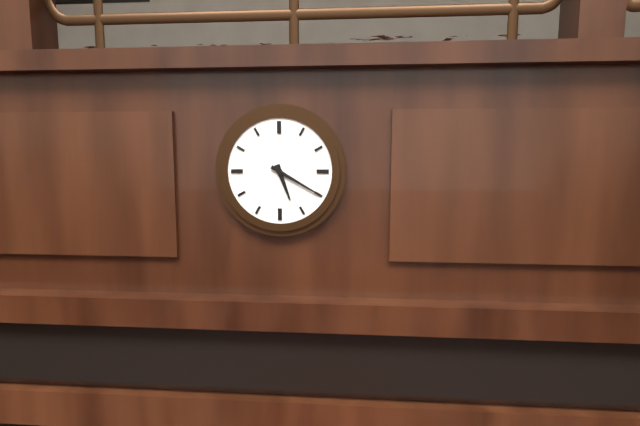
{"hour": 5, "minute": 20}
